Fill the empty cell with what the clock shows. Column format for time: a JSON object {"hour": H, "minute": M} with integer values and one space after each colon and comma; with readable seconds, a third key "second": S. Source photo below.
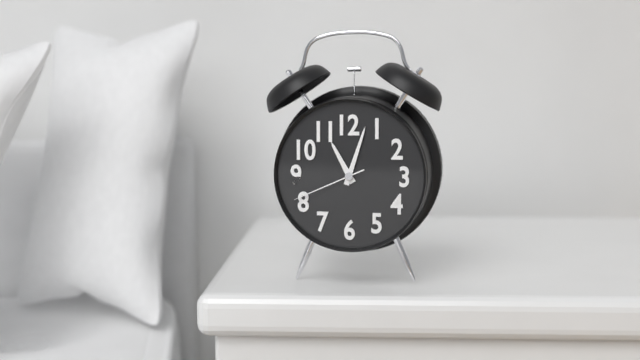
{"hour": 11, "minute": 3, "second": 41}
